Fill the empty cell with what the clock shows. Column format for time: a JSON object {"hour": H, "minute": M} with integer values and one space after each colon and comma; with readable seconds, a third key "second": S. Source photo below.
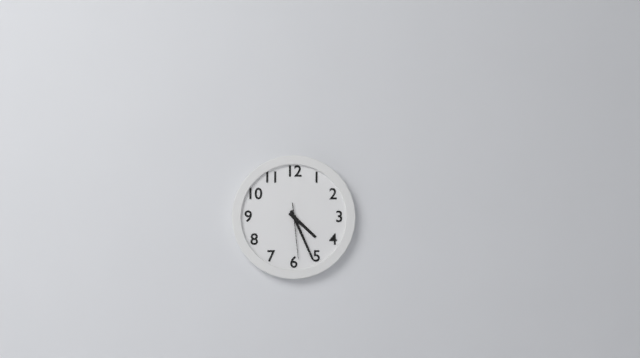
{"hour": 4, "minute": 26, "second": 29}
